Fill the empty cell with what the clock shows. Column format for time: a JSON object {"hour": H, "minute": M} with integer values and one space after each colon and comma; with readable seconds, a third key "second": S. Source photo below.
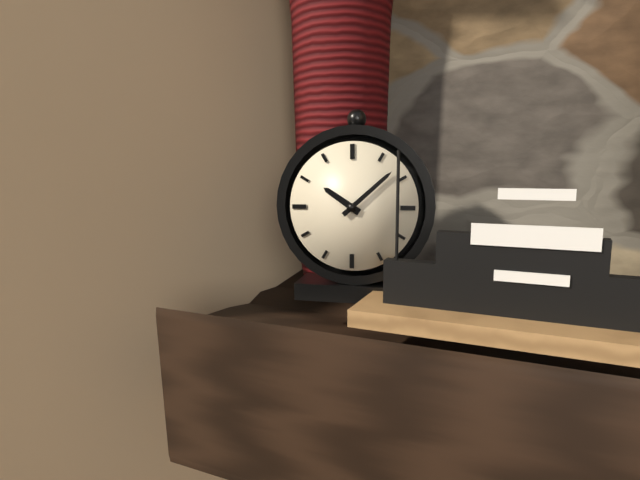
{"hour": 10, "minute": 8}
